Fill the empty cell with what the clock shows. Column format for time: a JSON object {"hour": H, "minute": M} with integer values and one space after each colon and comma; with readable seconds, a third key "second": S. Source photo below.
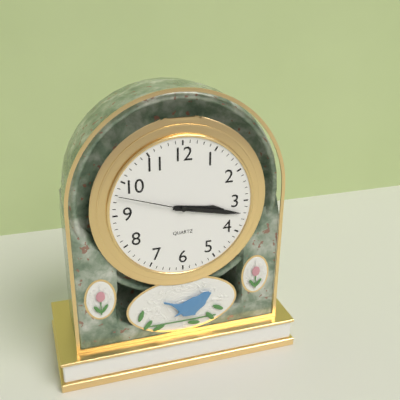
{"hour": 3, "minute": 17, "second": 48}
